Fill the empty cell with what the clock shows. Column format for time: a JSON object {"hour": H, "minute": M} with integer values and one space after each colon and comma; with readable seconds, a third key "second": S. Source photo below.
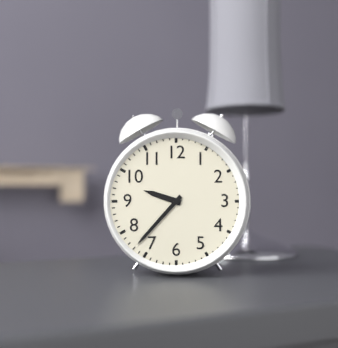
{"hour": 9, "minute": 37}
